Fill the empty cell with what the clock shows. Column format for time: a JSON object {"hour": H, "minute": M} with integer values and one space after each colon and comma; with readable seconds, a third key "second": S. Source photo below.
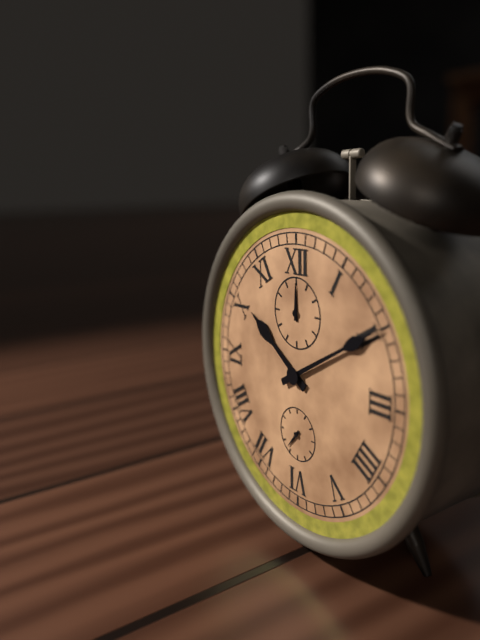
{"hour": 10, "minute": 10}
